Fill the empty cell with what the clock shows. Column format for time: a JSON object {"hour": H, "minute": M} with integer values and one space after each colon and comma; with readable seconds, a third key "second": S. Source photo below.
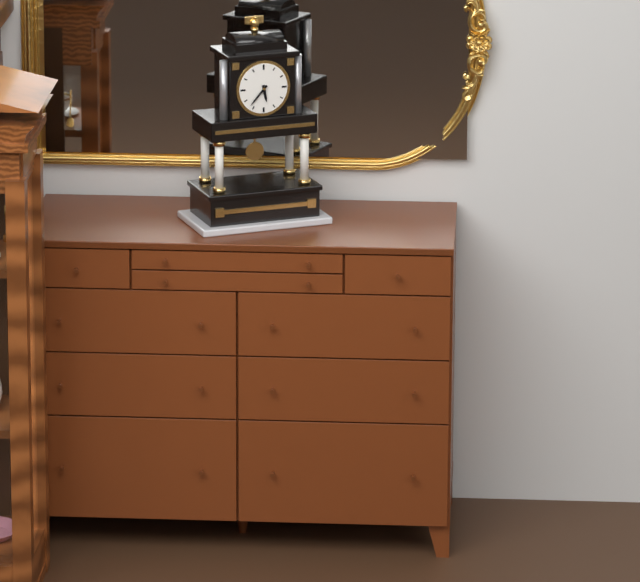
{"hour": 5, "minute": 37}
